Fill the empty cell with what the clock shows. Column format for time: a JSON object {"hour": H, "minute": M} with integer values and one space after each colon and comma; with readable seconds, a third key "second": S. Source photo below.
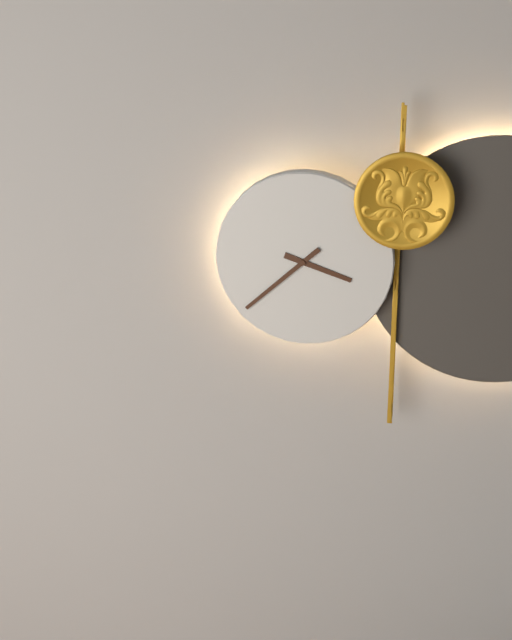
{"hour": 3, "minute": 38}
